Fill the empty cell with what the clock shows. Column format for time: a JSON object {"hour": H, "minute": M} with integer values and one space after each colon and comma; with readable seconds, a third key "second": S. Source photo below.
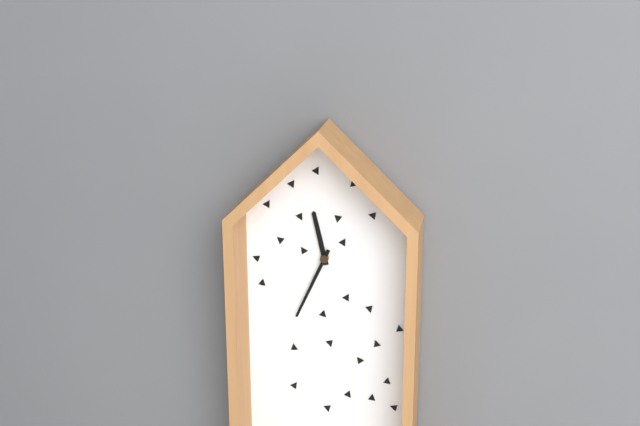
{"hour": 11, "minute": 34}
